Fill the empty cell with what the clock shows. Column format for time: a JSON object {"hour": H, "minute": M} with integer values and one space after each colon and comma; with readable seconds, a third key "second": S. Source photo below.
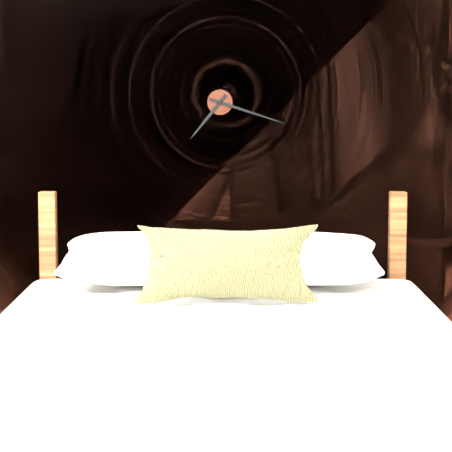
{"hour": 7, "minute": 18}
